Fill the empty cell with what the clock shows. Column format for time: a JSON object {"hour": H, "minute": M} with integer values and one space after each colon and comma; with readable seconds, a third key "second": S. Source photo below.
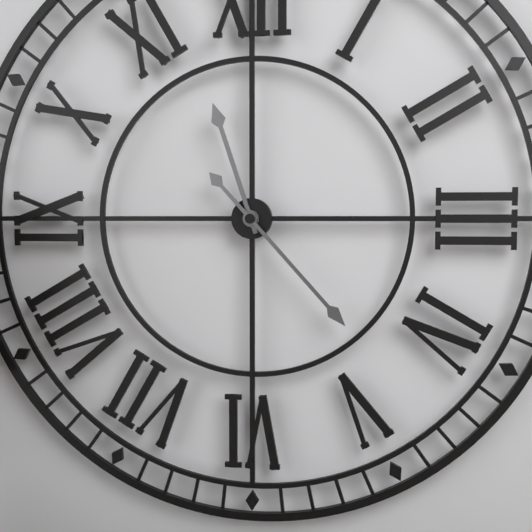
{"hour": 11, "minute": 23}
